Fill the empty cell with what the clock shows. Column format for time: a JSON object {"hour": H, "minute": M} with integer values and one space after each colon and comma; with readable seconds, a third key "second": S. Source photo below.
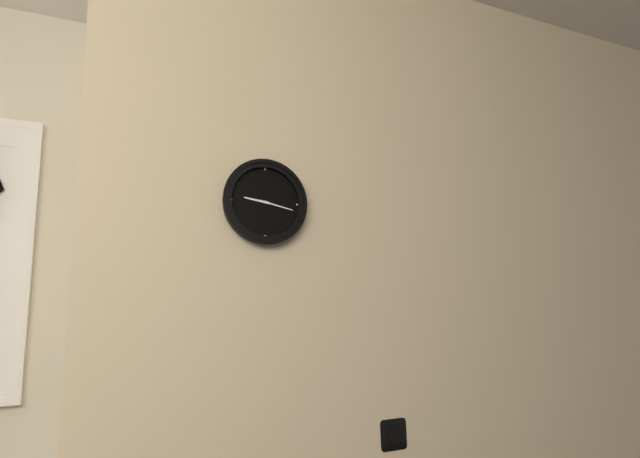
{"hour": 9, "minute": 17}
